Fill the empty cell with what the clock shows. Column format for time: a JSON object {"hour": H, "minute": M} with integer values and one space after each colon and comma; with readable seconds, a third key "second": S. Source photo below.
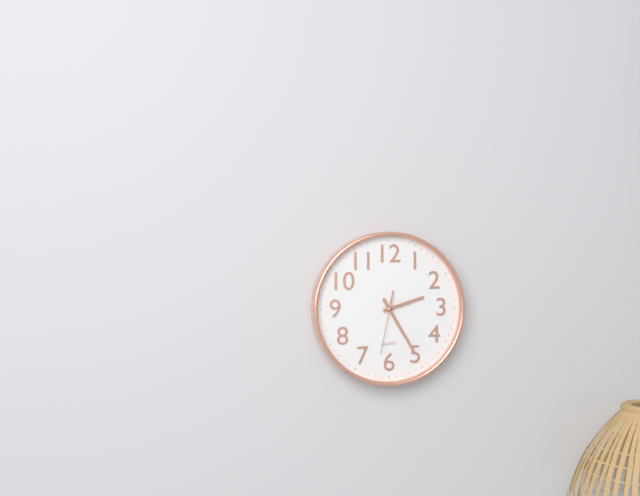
{"hour": 2, "minute": 25, "second": 32}
